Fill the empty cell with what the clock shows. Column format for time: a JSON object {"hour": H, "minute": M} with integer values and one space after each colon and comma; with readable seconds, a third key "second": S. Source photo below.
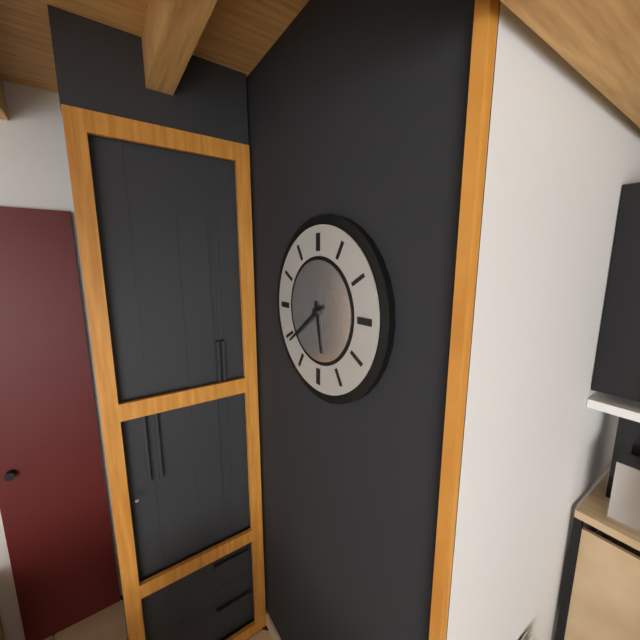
{"hour": 5, "minute": 39}
